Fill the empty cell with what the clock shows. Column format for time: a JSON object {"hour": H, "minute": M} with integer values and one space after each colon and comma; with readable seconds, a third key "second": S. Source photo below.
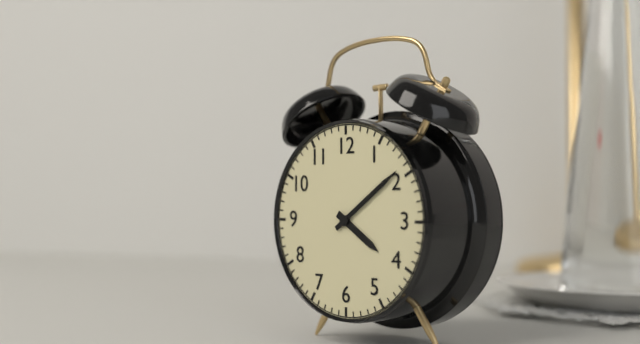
{"hour": 4, "minute": 9}
